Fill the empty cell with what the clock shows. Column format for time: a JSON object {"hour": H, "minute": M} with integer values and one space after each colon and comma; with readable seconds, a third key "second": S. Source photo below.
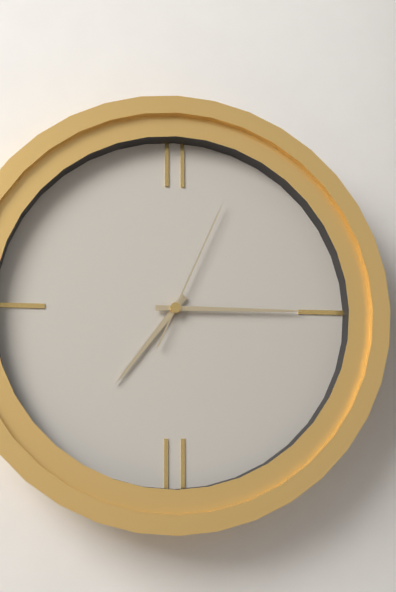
{"hour": 7, "minute": 15, "second": 4}
